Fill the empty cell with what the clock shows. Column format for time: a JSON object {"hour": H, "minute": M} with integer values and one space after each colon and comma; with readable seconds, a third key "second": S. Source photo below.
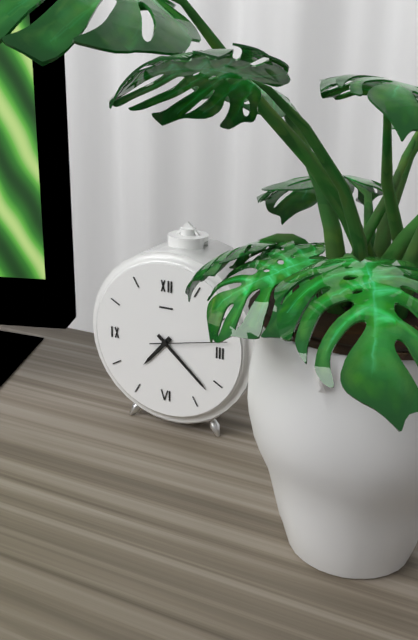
{"hour": 7, "minute": 22, "second": 13}
